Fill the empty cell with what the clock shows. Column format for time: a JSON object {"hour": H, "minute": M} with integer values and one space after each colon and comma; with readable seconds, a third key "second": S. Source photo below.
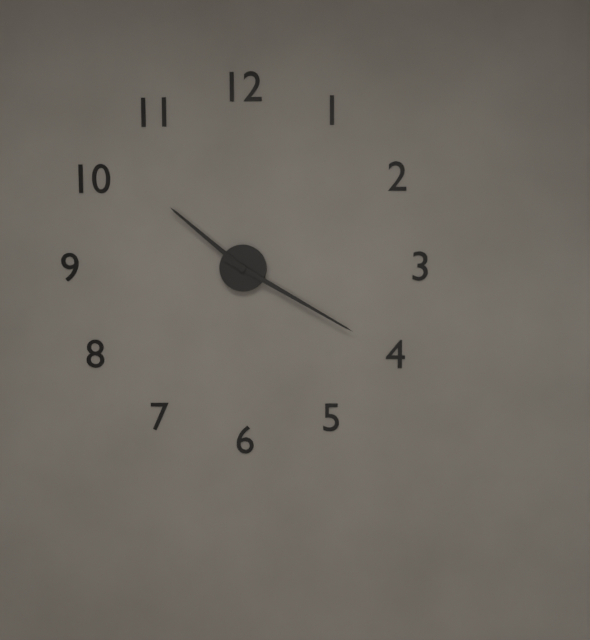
{"hour": 10, "minute": 20}
